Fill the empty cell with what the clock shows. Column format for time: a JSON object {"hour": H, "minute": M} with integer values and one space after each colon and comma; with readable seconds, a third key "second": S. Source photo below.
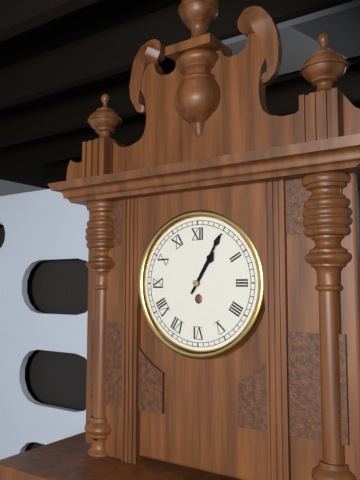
{"hour": 1, "minute": 5}
